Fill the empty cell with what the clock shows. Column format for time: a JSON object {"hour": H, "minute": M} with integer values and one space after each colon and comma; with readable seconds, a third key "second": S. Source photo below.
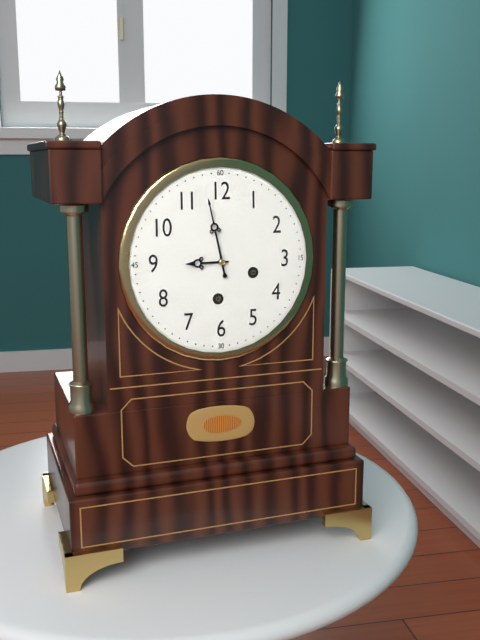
{"hour": 8, "minute": 58}
